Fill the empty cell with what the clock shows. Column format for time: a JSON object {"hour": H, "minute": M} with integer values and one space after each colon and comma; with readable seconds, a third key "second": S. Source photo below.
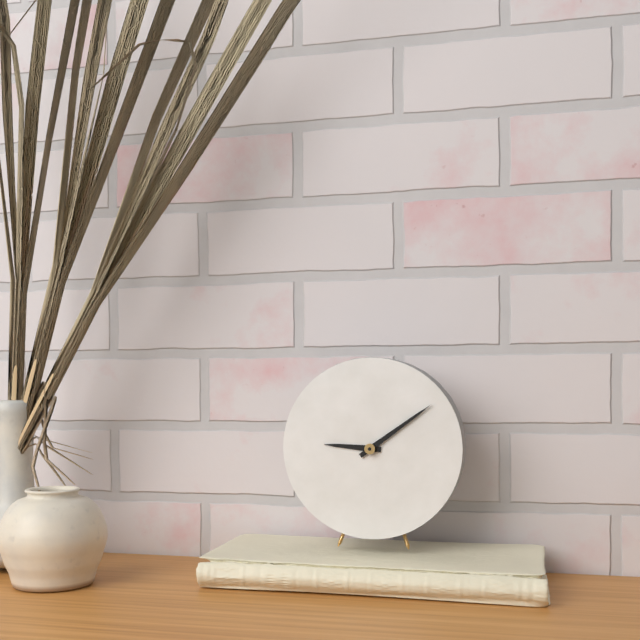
{"hour": 9, "minute": 9}
